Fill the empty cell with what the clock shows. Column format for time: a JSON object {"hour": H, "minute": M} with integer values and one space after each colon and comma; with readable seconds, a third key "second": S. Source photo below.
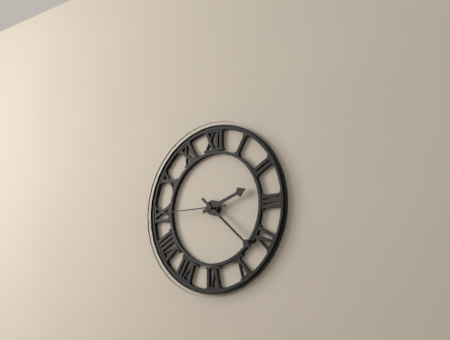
{"hour": 2, "minute": 22, "second": 45}
